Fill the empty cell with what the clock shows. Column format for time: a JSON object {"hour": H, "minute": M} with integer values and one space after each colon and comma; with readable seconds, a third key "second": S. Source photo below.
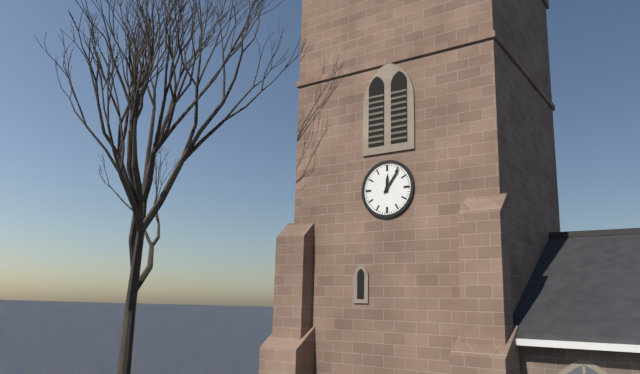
{"hour": 12, "minute": 6}
